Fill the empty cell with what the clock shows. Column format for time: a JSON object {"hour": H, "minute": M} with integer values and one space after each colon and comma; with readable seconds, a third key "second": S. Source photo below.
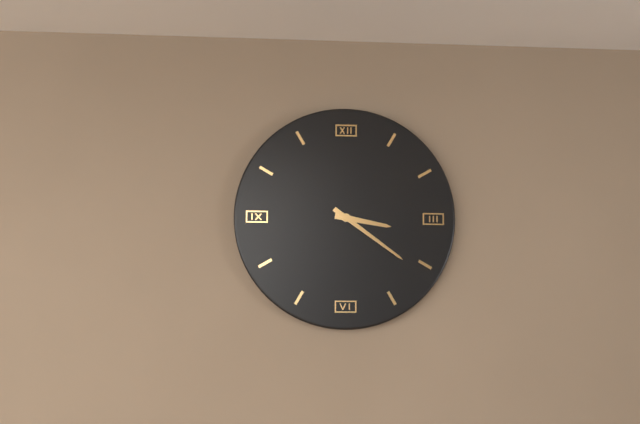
{"hour": 3, "minute": 21}
